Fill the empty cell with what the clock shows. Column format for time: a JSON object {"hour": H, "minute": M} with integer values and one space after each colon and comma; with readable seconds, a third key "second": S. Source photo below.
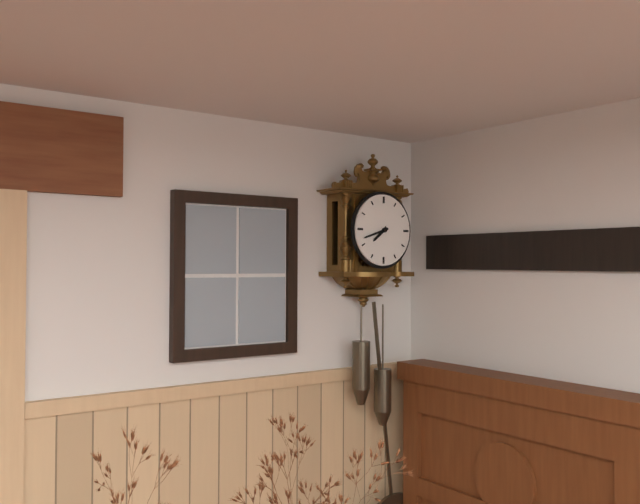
{"hour": 7, "minute": 42}
